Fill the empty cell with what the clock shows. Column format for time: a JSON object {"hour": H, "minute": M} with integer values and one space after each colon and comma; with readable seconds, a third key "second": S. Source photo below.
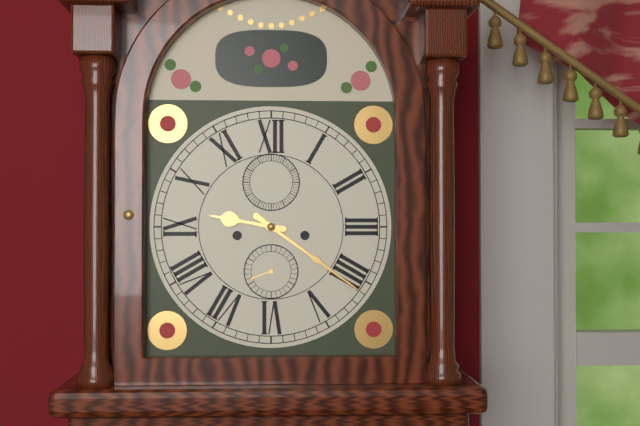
{"hour": 9, "minute": 21}
